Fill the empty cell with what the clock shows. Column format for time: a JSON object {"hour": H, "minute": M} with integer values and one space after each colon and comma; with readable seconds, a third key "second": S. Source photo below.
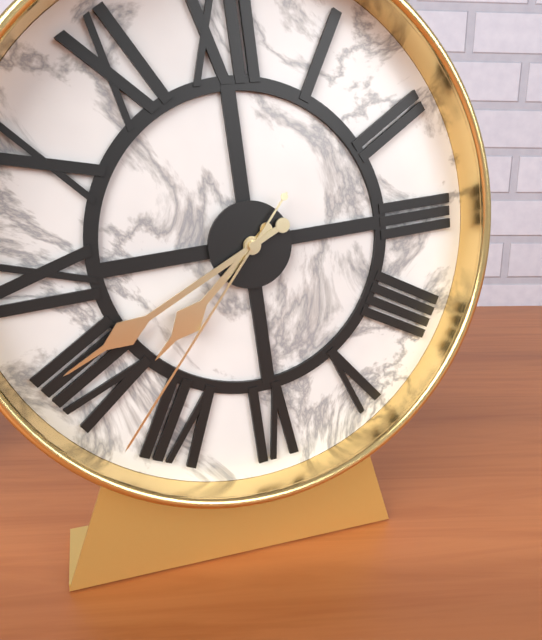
{"hour": 7, "minute": 41, "second": 37}
